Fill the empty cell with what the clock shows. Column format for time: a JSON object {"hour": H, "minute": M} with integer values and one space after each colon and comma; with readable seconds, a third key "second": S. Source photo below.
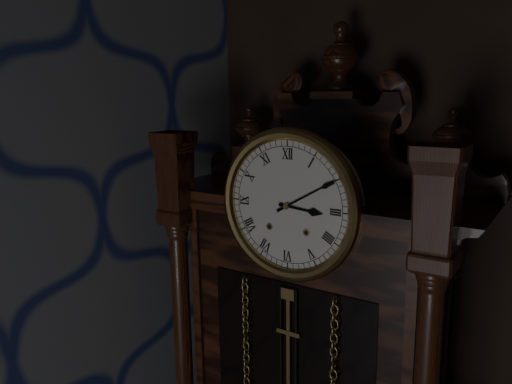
{"hour": 3, "minute": 10}
